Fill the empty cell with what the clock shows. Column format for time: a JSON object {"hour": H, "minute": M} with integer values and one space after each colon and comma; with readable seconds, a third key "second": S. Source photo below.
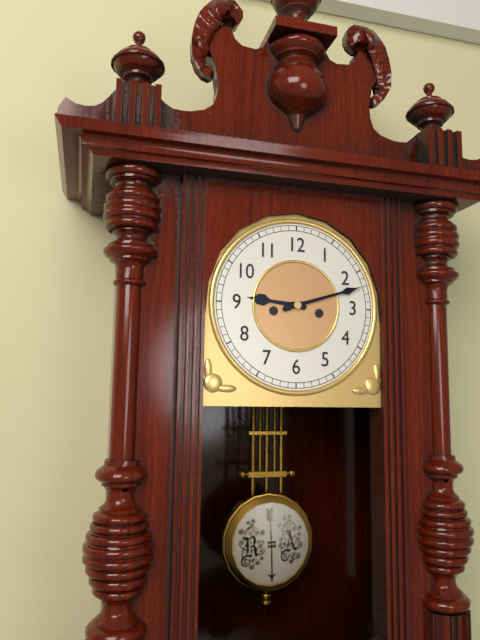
{"hour": 9, "minute": 12}
